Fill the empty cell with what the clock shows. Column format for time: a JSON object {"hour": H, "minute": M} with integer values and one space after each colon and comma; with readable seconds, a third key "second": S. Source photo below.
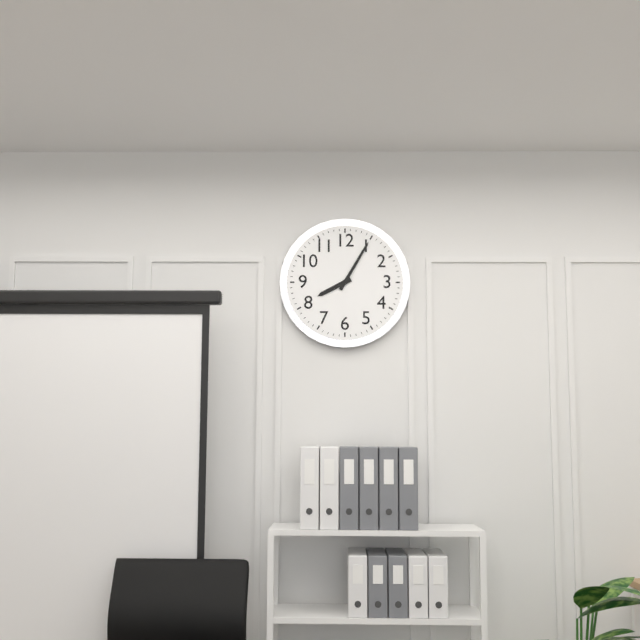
{"hour": 8, "minute": 5}
